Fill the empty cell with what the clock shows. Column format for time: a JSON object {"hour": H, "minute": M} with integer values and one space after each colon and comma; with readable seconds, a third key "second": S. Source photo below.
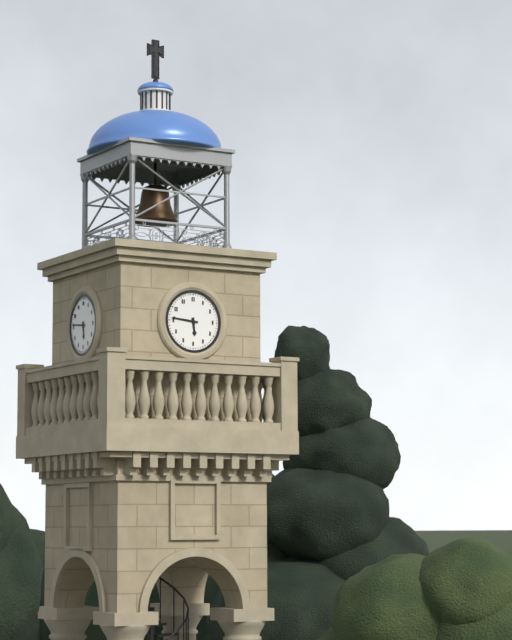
{"hour": 5, "minute": 46}
